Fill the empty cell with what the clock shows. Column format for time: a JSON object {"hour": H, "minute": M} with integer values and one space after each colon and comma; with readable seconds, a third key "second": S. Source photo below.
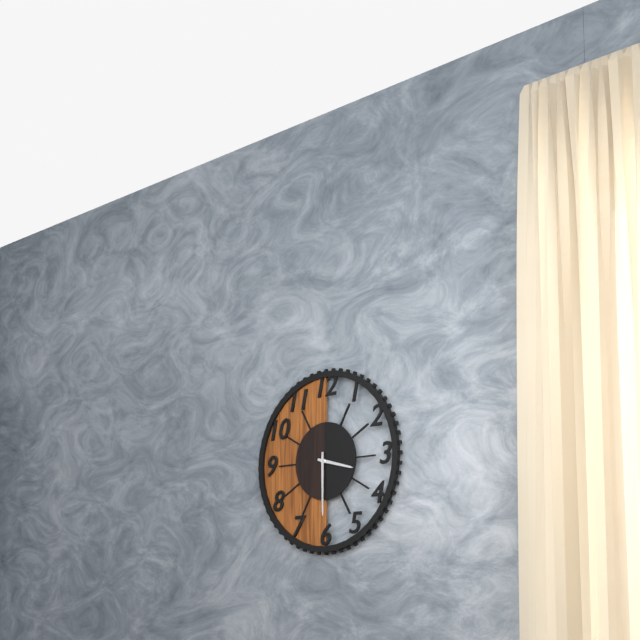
{"hour": 3, "minute": 30}
